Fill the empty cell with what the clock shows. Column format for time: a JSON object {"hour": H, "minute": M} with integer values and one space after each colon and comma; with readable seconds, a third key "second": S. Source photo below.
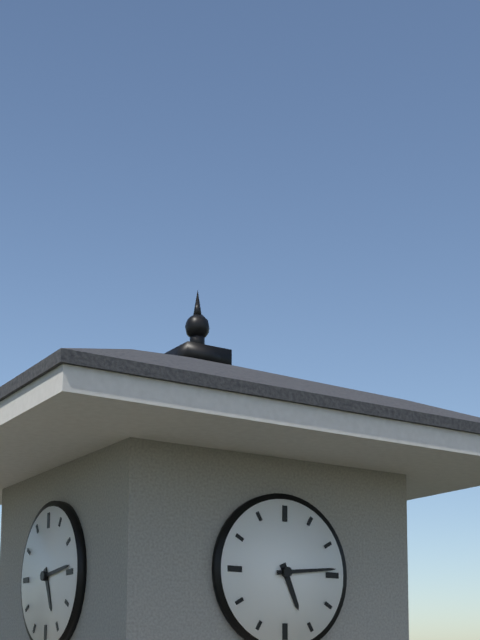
{"hour": 5, "minute": 14}
